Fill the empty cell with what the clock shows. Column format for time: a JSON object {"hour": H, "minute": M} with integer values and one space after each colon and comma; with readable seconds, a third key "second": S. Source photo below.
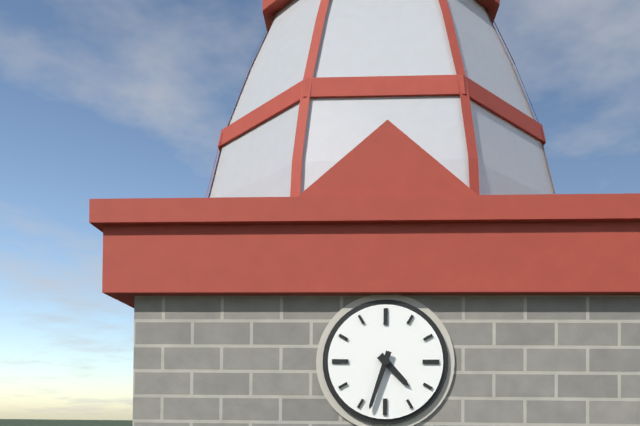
{"hour": 4, "minute": 33}
